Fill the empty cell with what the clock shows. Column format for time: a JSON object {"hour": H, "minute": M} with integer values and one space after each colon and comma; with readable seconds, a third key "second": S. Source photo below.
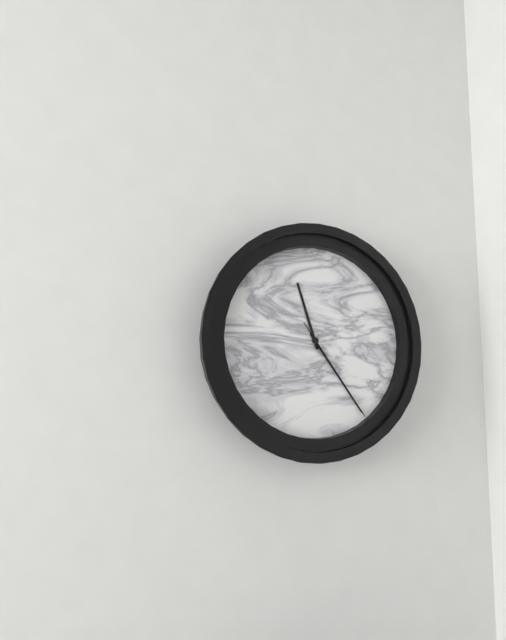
{"hour": 11, "minute": 24, "second": 24}
